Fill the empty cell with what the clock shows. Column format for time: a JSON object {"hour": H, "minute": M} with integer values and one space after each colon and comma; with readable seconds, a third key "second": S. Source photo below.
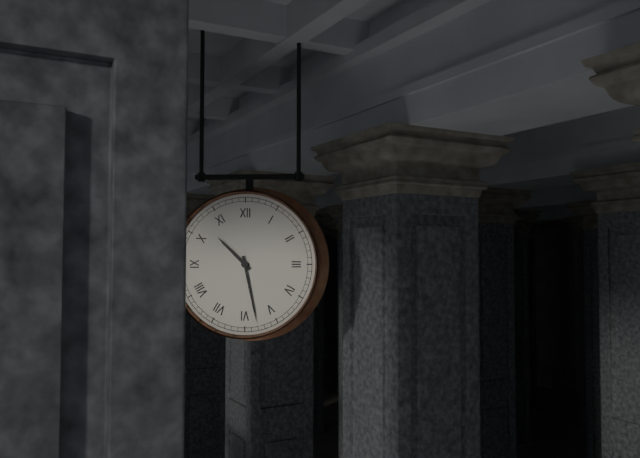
{"hour": 10, "minute": 28}
